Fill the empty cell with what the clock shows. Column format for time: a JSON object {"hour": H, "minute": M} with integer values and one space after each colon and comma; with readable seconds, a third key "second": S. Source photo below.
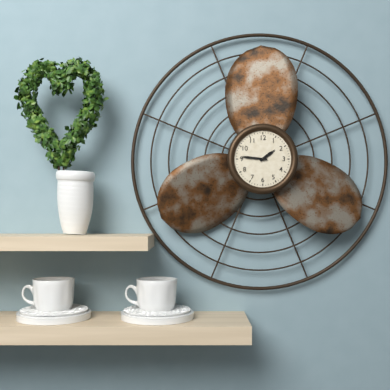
{"hour": 1, "minute": 46}
